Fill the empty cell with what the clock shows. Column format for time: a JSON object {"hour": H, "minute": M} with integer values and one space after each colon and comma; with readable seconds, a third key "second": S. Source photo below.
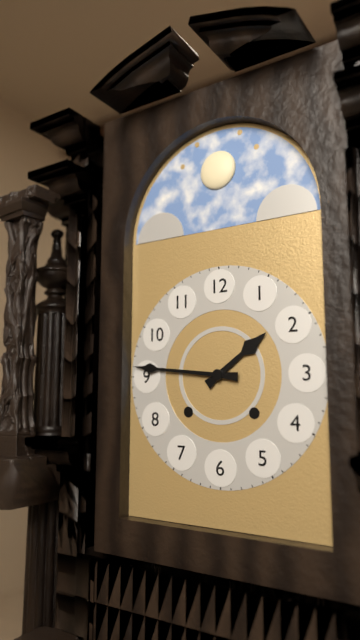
{"hour": 1, "minute": 46}
